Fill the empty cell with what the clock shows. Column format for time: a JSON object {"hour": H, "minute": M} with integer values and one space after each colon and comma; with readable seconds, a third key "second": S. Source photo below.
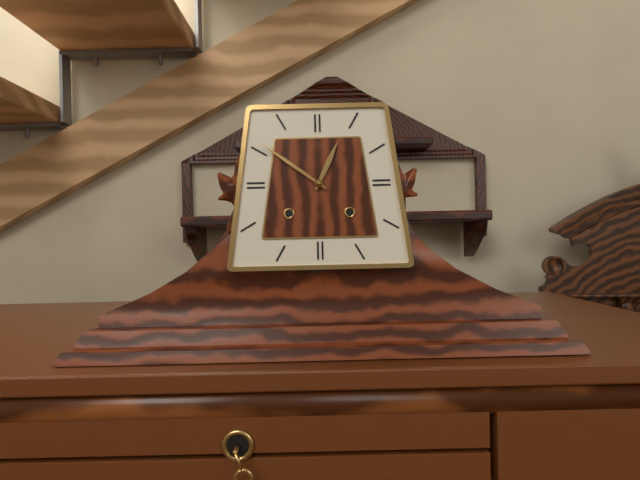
{"hour": 12, "minute": 51}
